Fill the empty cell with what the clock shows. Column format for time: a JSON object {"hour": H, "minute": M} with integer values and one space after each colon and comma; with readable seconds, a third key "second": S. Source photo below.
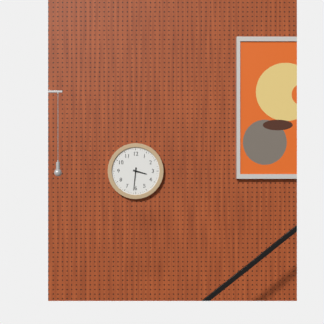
{"hour": 3, "minute": 31}
